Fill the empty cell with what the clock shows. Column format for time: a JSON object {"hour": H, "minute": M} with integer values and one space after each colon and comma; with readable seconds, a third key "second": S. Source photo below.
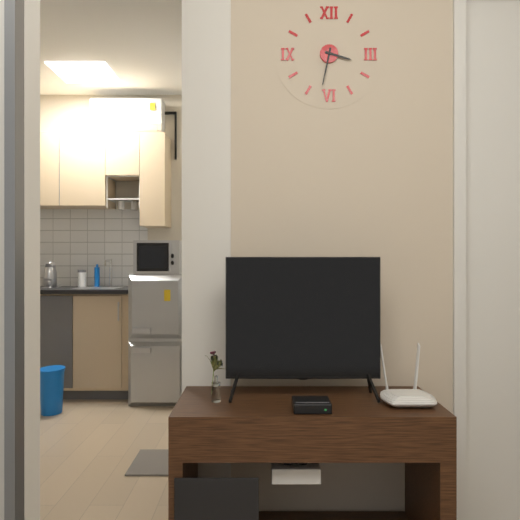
{"hour": 3, "minute": 32}
